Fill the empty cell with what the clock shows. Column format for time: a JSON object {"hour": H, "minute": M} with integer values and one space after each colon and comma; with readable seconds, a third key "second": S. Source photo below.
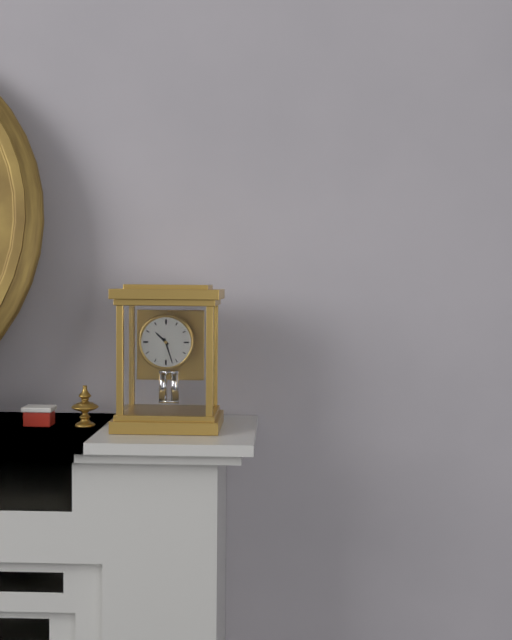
{"hour": 10, "minute": 27}
